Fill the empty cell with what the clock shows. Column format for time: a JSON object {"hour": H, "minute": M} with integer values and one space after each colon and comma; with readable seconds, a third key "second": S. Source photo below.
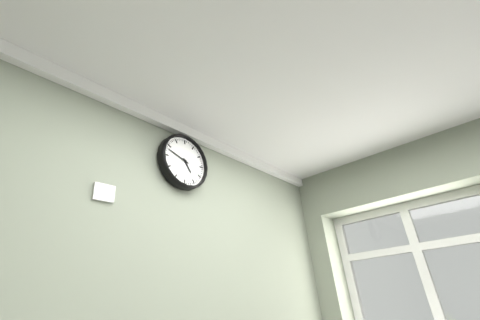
{"hour": 4, "minute": 48}
